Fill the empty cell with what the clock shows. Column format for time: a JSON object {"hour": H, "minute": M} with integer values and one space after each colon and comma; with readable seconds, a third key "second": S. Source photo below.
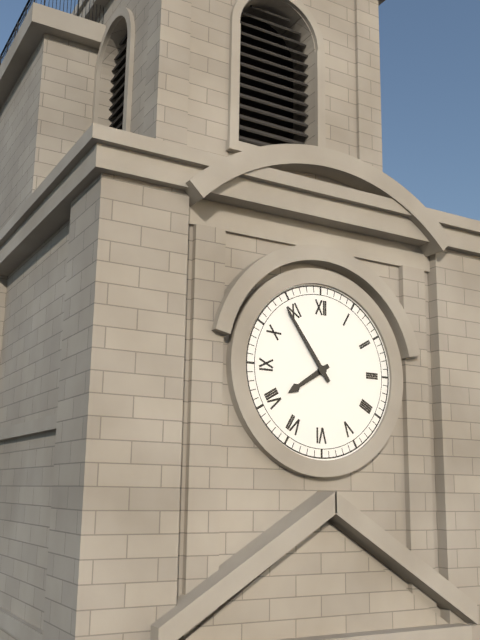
{"hour": 7, "minute": 54}
